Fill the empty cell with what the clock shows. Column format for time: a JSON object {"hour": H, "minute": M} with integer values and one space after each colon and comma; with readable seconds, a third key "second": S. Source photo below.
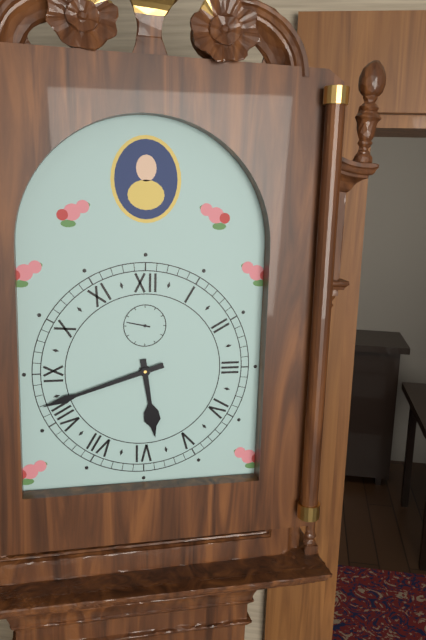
{"hour": 5, "minute": 42}
